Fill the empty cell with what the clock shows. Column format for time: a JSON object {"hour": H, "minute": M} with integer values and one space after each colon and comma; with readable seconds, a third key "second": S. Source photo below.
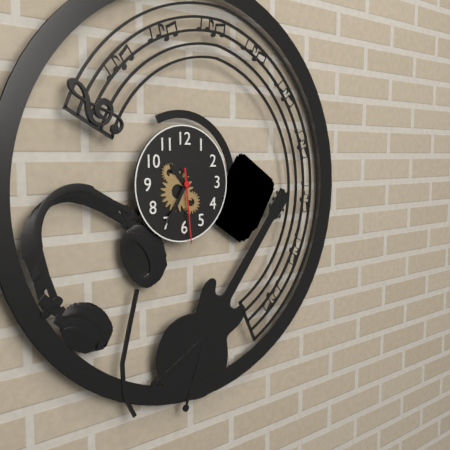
{"hour": 10, "minute": 35, "second": 29}
